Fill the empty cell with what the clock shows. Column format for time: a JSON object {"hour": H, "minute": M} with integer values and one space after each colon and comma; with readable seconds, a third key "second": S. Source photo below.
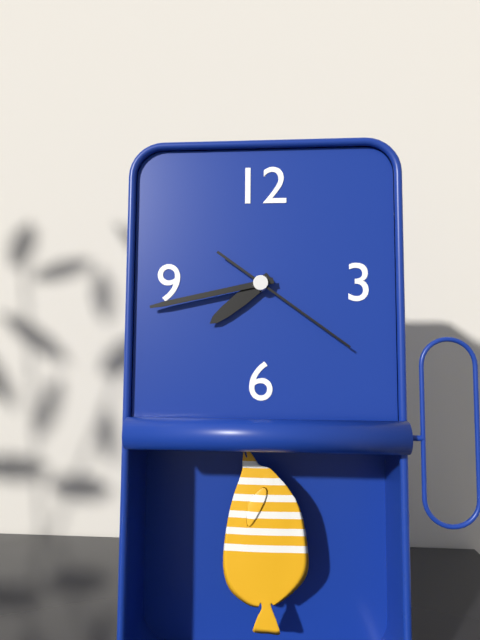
{"hour": 7, "minute": 43, "second": 21}
